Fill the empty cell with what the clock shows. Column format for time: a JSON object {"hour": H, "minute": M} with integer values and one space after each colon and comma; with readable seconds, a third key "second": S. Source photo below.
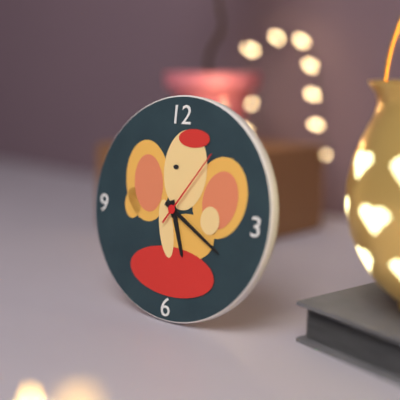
{"hour": 5, "minute": 20, "second": 6}
